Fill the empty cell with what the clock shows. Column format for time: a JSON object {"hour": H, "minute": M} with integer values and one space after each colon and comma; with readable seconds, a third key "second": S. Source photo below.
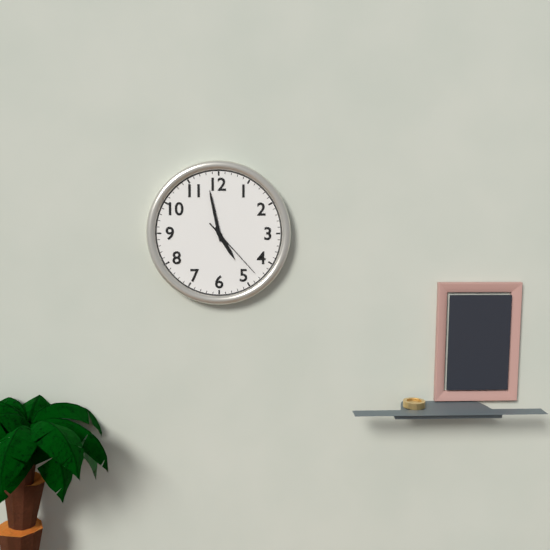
{"hour": 4, "minute": 58, "second": 23}
